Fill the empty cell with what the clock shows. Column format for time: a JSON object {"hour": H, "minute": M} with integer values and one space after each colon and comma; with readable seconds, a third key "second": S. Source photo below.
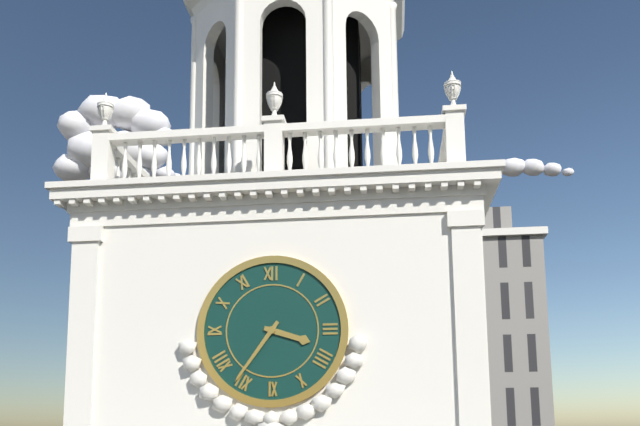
{"hour": 3, "minute": 36}
